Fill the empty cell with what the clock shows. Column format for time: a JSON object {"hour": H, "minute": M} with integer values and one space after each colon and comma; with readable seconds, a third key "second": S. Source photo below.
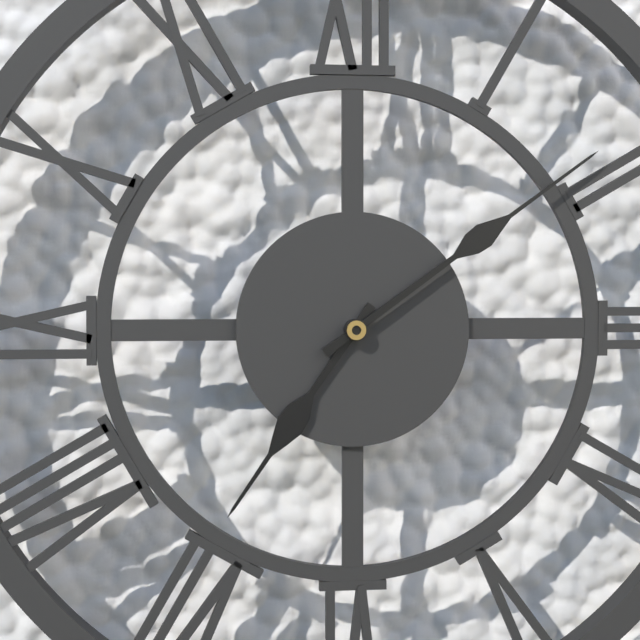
{"hour": 7, "minute": 9}
